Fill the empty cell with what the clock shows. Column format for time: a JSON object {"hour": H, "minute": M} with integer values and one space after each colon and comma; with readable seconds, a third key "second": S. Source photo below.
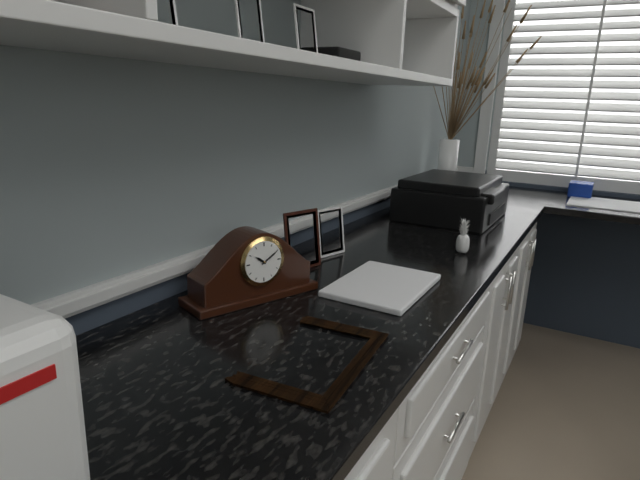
{"hour": 10, "minute": 10}
